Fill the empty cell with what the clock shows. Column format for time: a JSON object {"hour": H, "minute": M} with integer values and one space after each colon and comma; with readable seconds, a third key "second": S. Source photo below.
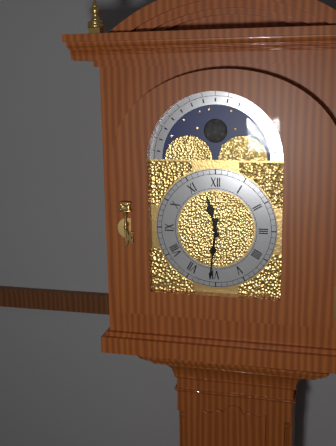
{"hour": 11, "minute": 31}
